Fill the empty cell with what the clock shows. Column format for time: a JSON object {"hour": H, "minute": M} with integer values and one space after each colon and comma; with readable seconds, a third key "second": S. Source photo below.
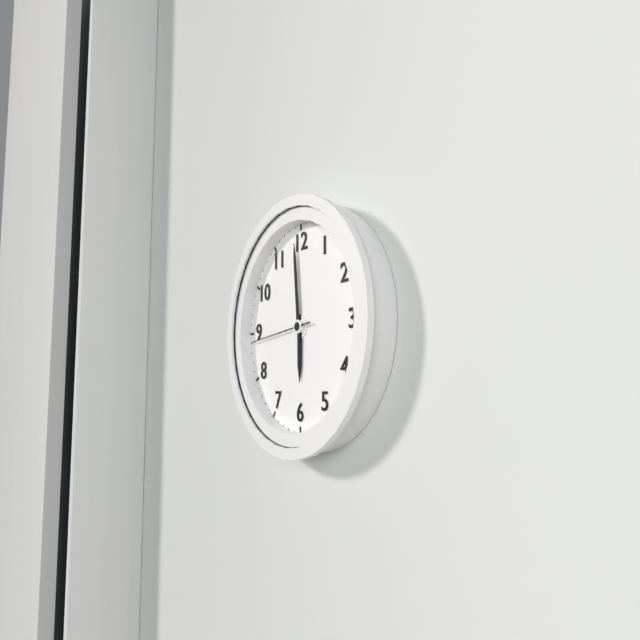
{"hour": 5, "minute": 59, "second": 44}
